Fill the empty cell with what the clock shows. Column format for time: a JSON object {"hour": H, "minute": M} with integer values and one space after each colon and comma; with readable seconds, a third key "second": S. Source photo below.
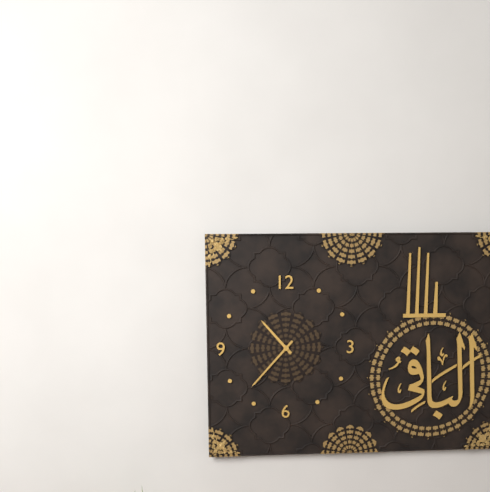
{"hour": 10, "minute": 37}
